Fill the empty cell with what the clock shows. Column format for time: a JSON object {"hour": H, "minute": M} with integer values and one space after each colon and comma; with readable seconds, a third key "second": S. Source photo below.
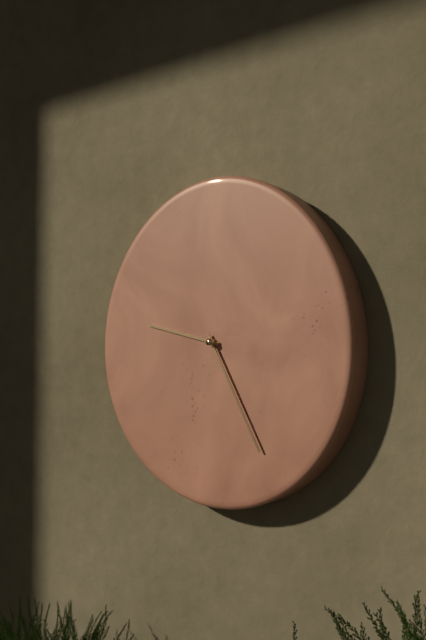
{"hour": 9, "minute": 25}
